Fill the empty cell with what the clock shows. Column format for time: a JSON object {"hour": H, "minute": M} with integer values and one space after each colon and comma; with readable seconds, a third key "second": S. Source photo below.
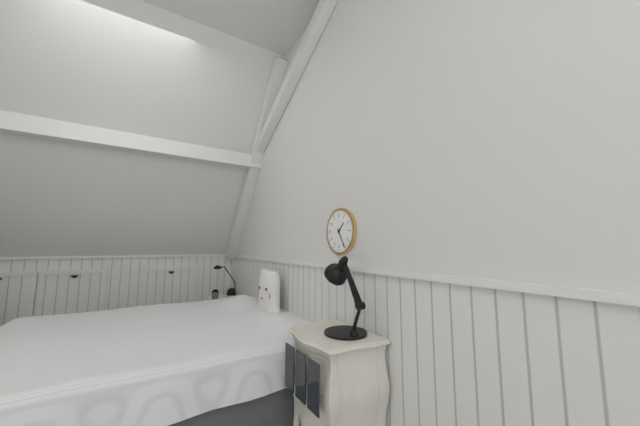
{"hour": 1, "minute": 25}
